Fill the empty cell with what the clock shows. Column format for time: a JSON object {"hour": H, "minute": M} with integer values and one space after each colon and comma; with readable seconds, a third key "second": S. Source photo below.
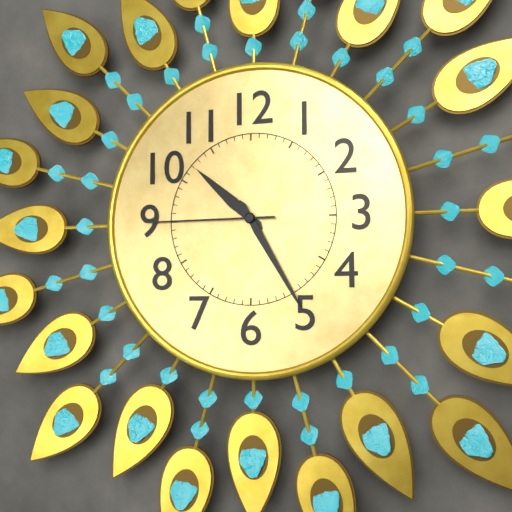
{"hour": 10, "minute": 25, "second": 45}
